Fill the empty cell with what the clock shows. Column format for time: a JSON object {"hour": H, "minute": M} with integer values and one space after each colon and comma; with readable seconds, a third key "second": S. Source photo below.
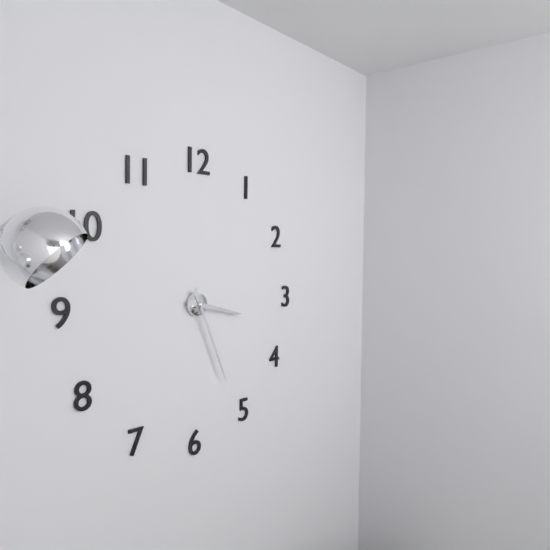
{"hour": 3, "minute": 26}
